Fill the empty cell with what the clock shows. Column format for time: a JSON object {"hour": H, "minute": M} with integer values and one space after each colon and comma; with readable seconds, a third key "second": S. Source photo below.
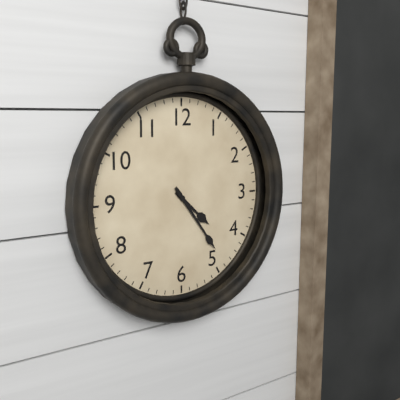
{"hour": 4, "minute": 24}
